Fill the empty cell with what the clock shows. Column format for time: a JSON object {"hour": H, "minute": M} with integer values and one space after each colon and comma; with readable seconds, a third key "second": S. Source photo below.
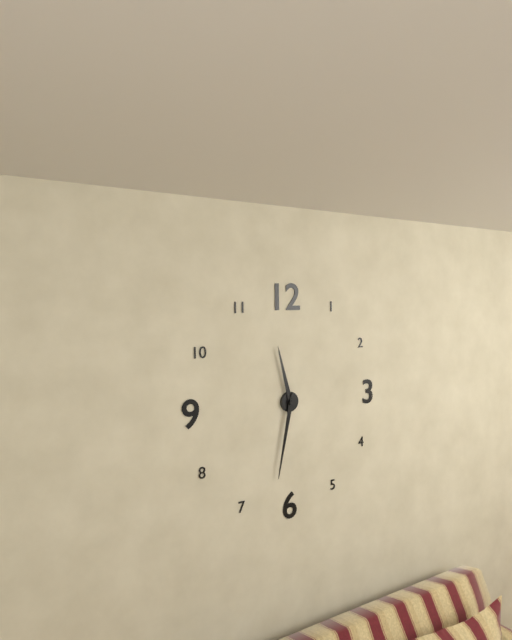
{"hour": 11, "minute": 32}
